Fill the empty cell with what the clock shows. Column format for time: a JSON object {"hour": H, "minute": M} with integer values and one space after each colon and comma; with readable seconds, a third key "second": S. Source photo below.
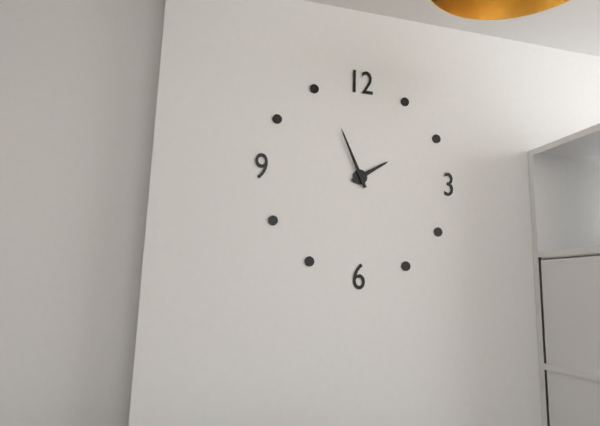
{"hour": 1, "minute": 56}
